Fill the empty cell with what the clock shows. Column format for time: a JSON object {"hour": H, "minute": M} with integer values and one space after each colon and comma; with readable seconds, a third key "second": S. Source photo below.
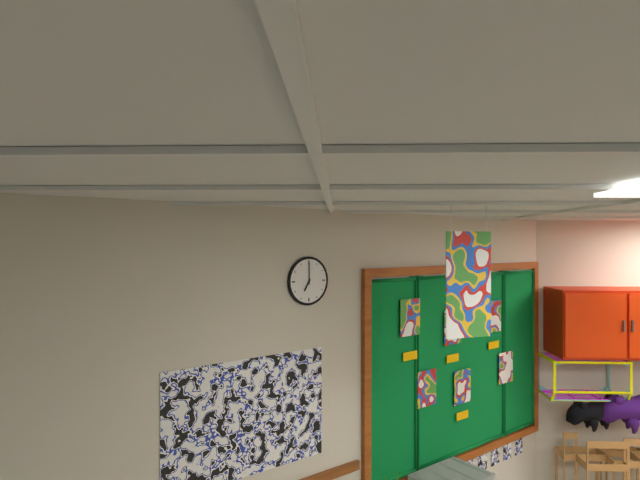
{"hour": 7, "minute": 0}
